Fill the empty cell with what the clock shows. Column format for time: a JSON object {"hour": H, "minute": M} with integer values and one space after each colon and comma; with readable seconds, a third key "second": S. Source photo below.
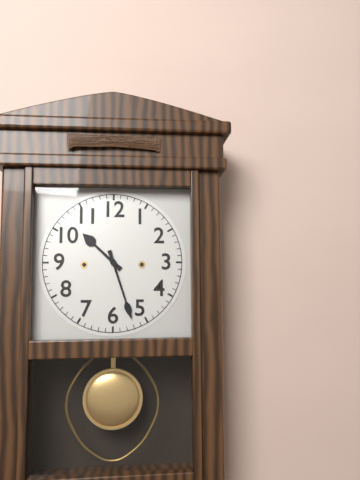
{"hour": 10, "minute": 27}
